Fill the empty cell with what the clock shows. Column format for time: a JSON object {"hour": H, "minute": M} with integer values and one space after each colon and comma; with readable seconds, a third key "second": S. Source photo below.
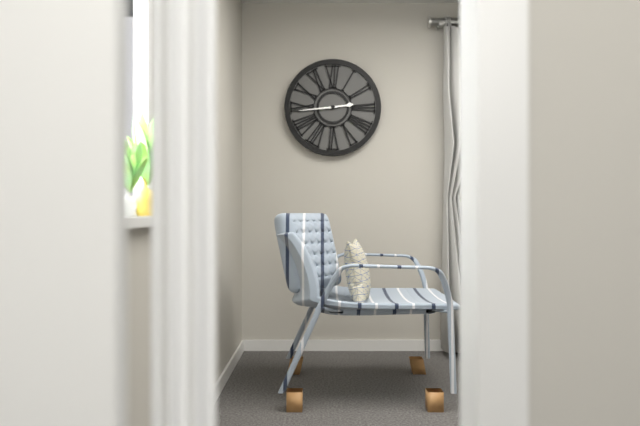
{"hour": 2, "minute": 44}
